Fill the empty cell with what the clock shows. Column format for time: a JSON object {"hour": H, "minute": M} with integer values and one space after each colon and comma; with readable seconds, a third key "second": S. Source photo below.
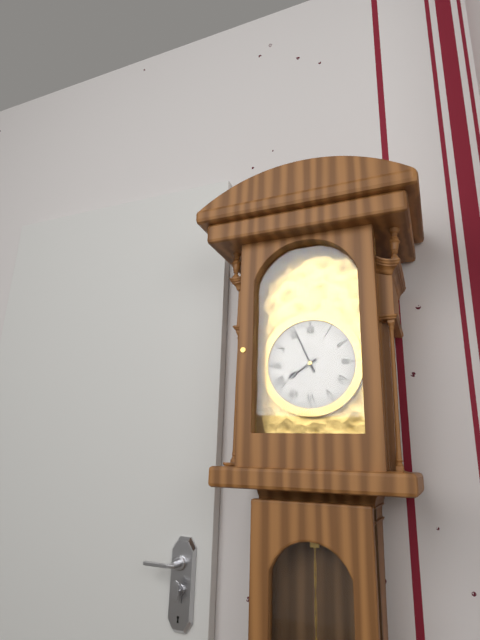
{"hour": 7, "minute": 56}
